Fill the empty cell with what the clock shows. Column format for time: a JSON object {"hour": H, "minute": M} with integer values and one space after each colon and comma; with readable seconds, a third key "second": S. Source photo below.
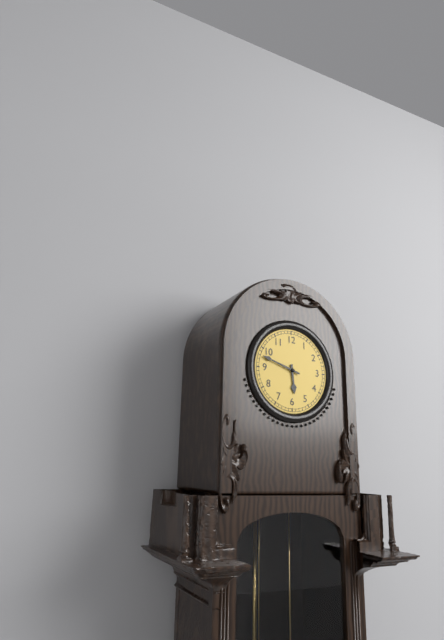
{"hour": 5, "minute": 48}
